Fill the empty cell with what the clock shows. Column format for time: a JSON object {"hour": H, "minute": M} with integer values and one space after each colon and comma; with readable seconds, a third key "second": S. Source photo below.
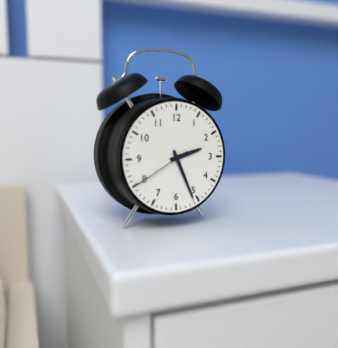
{"hour": 2, "minute": 26, "second": 40}
